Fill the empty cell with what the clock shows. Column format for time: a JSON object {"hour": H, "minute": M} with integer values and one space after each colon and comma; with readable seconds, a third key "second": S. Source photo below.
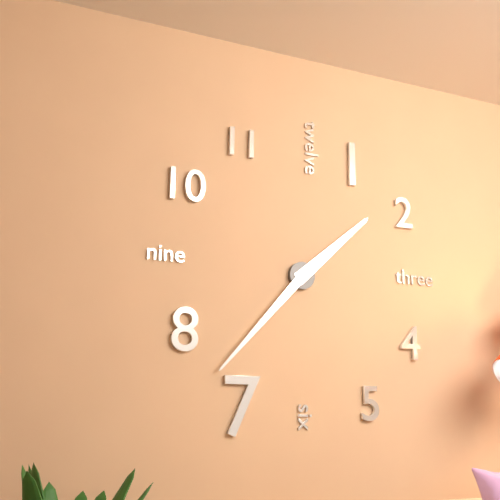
{"hour": 1, "minute": 37}
